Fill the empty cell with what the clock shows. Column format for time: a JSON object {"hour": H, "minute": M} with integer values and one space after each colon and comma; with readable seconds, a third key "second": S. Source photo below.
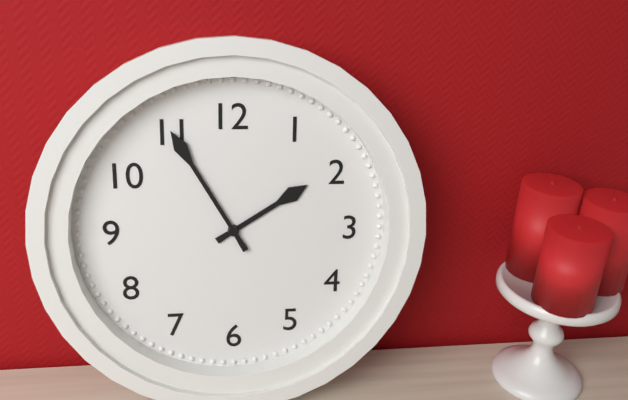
{"hour": 1, "minute": 55}
